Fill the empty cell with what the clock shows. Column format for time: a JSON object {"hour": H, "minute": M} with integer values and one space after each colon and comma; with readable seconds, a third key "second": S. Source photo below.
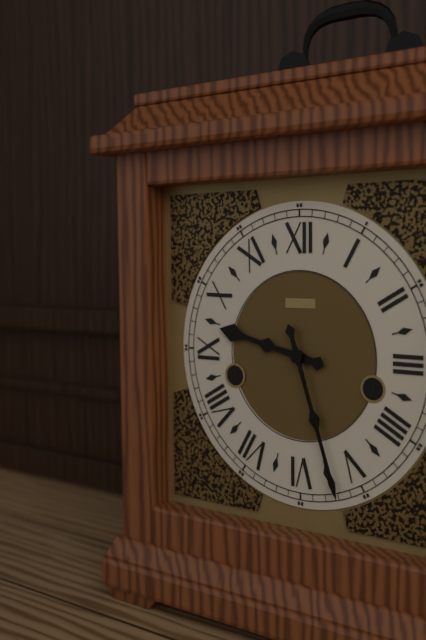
{"hour": 9, "minute": 27}
